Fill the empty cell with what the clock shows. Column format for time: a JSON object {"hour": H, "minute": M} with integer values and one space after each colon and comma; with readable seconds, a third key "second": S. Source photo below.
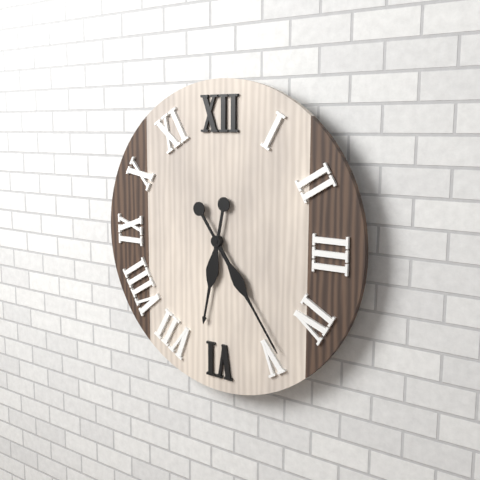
{"hour": 6, "minute": 24}
